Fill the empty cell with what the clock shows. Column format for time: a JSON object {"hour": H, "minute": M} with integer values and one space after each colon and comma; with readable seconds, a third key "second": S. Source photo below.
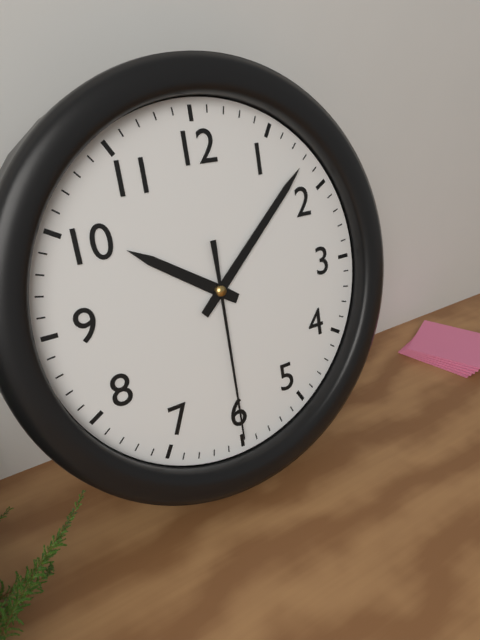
{"hour": 10, "minute": 8, "second": 30}
